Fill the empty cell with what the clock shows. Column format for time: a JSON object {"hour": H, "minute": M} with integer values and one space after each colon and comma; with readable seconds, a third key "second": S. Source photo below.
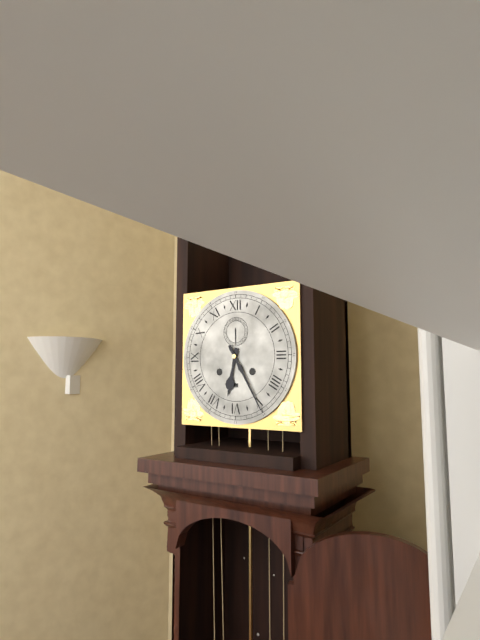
{"hour": 6, "minute": 25}
